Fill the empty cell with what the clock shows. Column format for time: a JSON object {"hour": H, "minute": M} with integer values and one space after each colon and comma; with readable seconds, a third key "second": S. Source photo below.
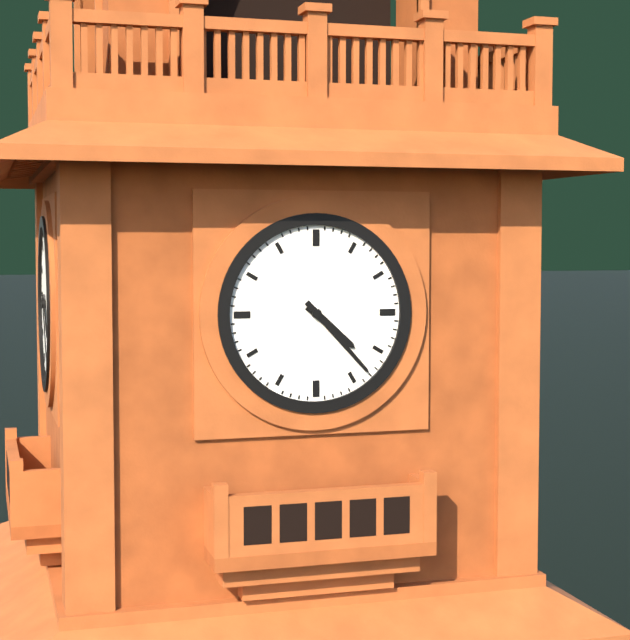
{"hour": 4, "minute": 23}
